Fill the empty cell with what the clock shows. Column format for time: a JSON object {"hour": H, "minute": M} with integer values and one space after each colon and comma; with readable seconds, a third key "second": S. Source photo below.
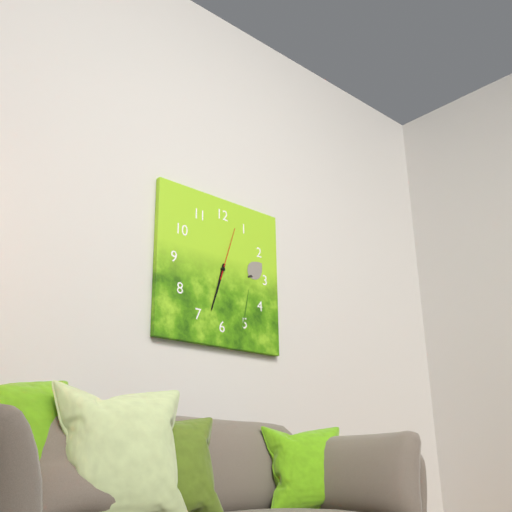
{"hour": 6, "minute": 33, "second": 3}
